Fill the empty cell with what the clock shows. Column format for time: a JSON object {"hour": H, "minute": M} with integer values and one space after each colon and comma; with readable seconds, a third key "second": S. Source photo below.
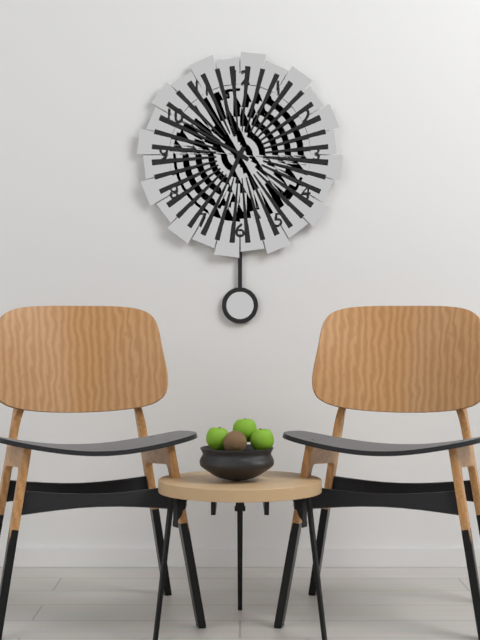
{"hour": 6, "minute": 50}
